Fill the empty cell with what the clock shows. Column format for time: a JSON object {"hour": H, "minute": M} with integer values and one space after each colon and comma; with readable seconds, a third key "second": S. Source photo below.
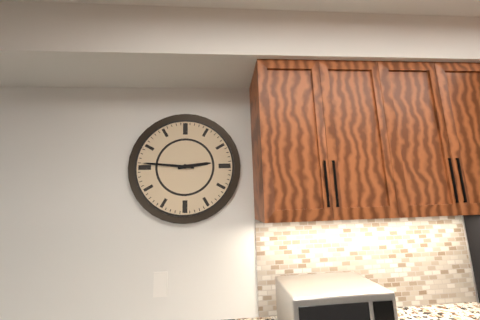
{"hour": 2, "minute": 46}
